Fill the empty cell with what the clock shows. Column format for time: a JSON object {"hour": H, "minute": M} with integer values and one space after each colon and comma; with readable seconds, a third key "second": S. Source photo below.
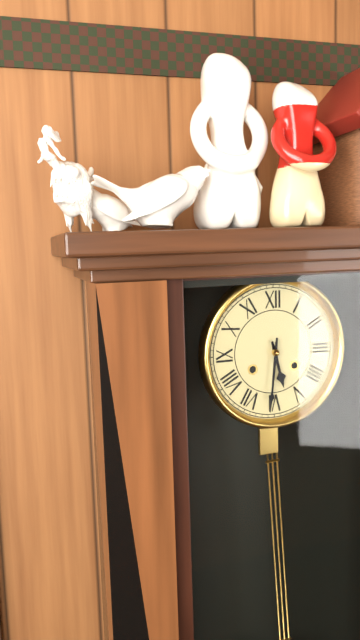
{"hour": 5, "minute": 31}
